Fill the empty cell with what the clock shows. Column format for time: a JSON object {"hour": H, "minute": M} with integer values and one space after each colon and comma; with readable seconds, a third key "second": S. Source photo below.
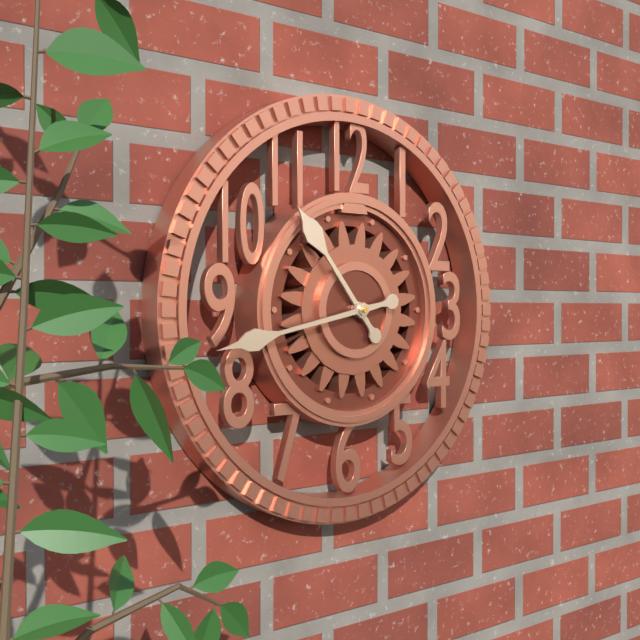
{"hour": 10, "minute": 43}
